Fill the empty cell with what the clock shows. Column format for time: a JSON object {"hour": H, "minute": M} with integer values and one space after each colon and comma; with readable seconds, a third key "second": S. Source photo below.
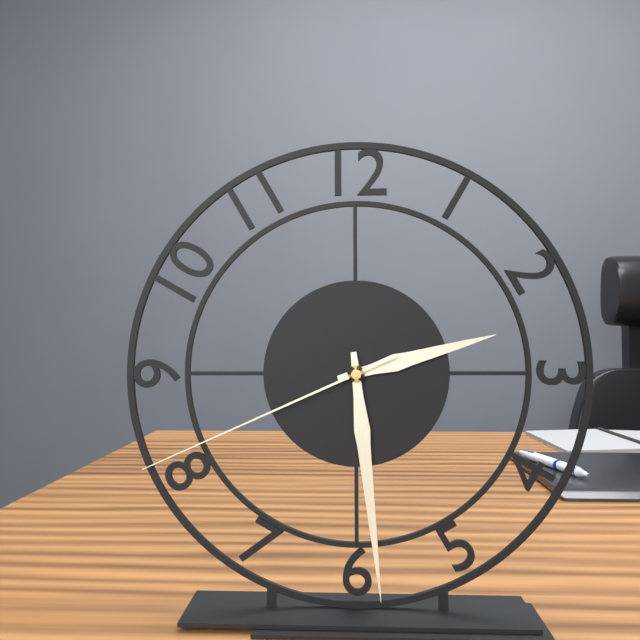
{"hour": 2, "minute": 29, "second": 41}
